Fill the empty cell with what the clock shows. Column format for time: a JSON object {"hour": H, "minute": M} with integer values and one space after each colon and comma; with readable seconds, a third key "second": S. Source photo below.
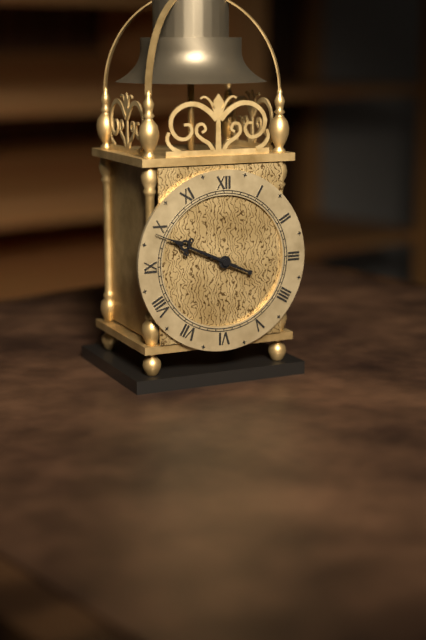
{"hour": 9, "minute": 49}
